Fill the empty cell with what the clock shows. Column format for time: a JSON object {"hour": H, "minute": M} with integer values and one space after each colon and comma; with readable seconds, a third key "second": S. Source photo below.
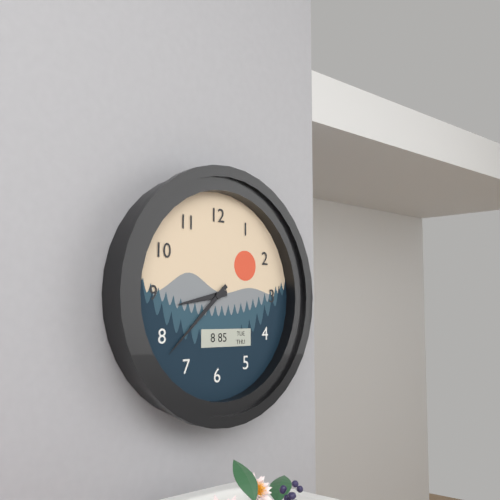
{"hour": 8, "minute": 38}
